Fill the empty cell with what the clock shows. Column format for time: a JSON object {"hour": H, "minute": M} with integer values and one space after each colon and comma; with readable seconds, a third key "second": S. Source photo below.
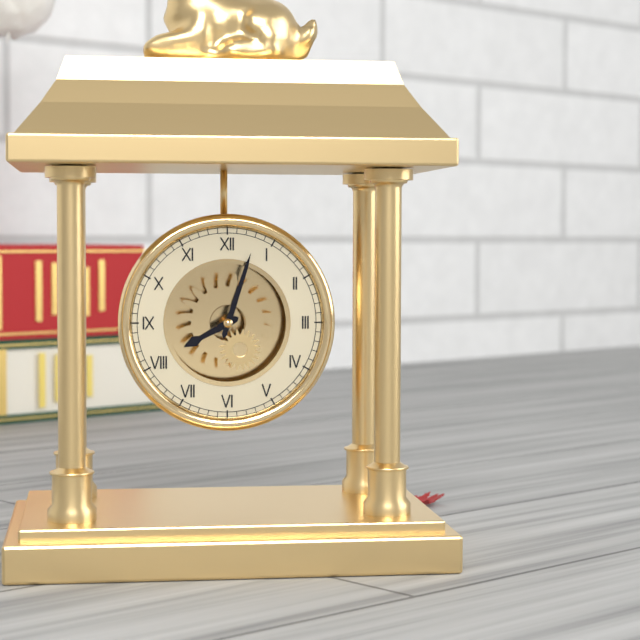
{"hour": 8, "minute": 3}
